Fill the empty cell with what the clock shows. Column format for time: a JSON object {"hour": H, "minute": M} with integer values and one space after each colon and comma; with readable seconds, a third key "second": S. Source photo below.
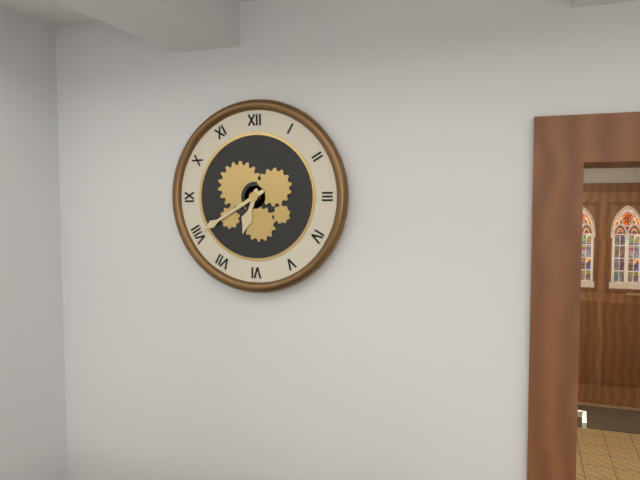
{"hour": 6, "minute": 40}
